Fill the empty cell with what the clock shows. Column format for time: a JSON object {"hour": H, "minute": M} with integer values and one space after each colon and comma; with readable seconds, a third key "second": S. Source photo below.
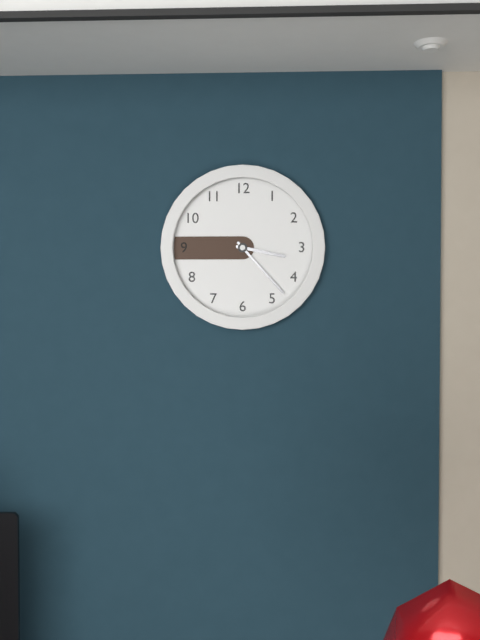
{"hour": 3, "minute": 23}
